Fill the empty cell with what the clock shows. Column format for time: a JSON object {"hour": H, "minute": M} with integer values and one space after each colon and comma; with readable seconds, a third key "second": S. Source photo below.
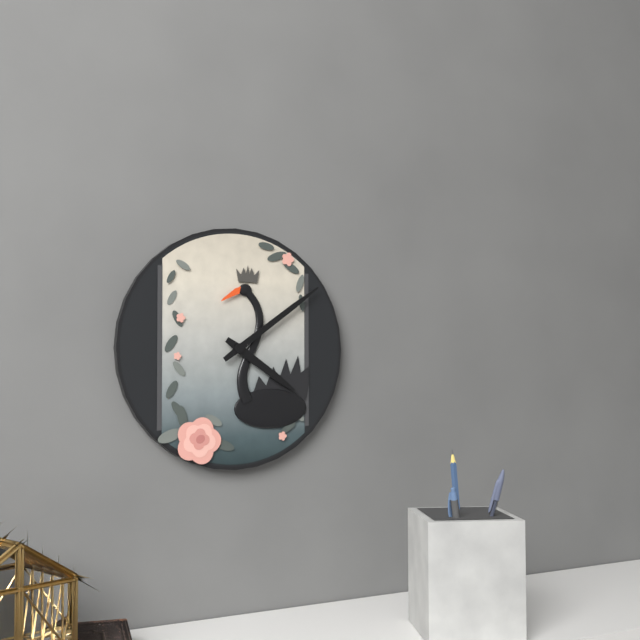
{"hour": 4, "minute": 9}
